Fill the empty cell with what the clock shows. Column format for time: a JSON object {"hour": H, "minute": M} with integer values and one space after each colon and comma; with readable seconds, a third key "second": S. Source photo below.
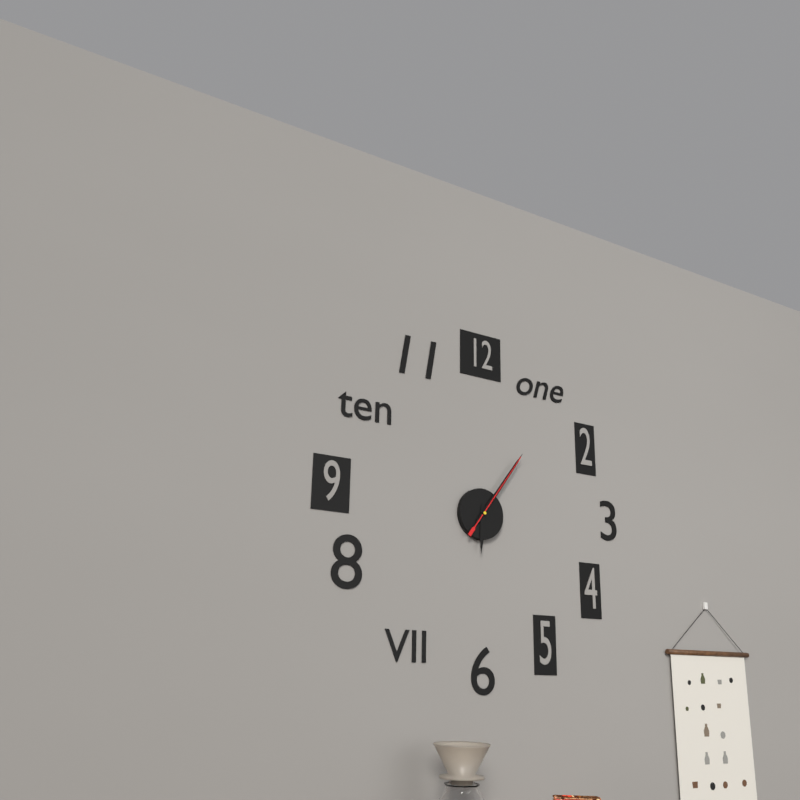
{"hour": 6, "minute": 6, "second": 6}
